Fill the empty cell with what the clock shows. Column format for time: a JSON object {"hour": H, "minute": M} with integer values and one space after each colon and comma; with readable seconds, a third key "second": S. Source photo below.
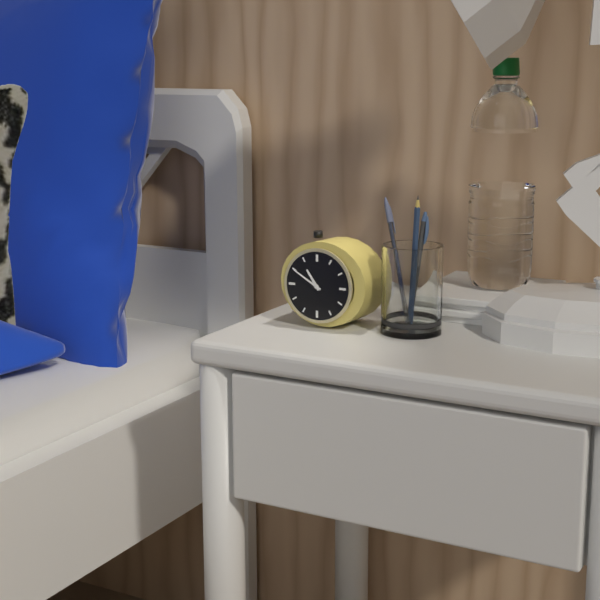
{"hour": 10, "minute": 50}
